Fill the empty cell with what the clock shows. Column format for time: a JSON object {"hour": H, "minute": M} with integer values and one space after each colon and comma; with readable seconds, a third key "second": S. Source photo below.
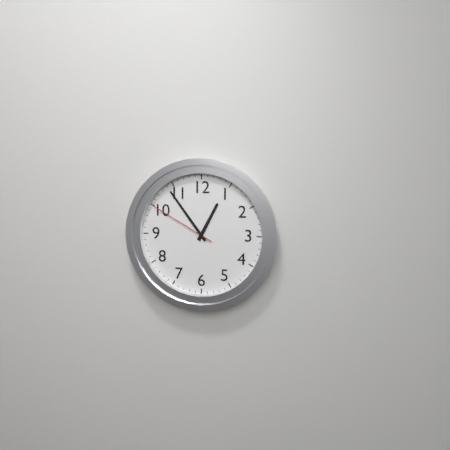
{"hour": 12, "minute": 54, "second": 50}
